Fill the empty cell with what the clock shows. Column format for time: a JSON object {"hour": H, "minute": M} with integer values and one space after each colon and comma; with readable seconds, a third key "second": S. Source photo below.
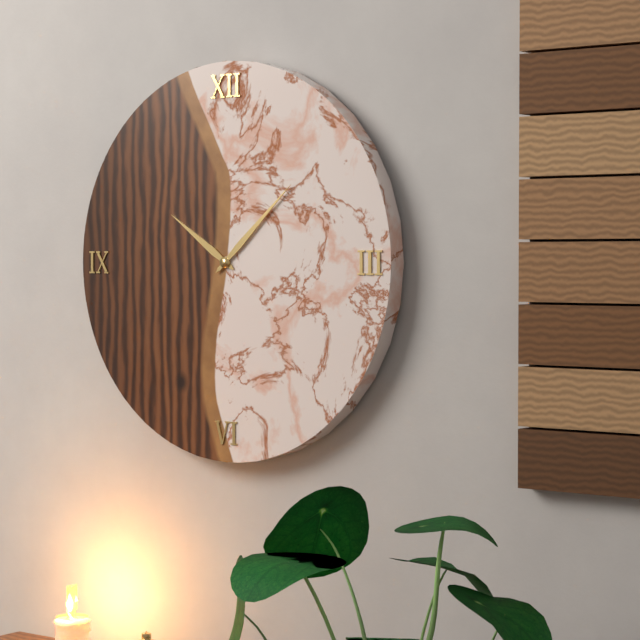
{"hour": 10, "minute": 8}
